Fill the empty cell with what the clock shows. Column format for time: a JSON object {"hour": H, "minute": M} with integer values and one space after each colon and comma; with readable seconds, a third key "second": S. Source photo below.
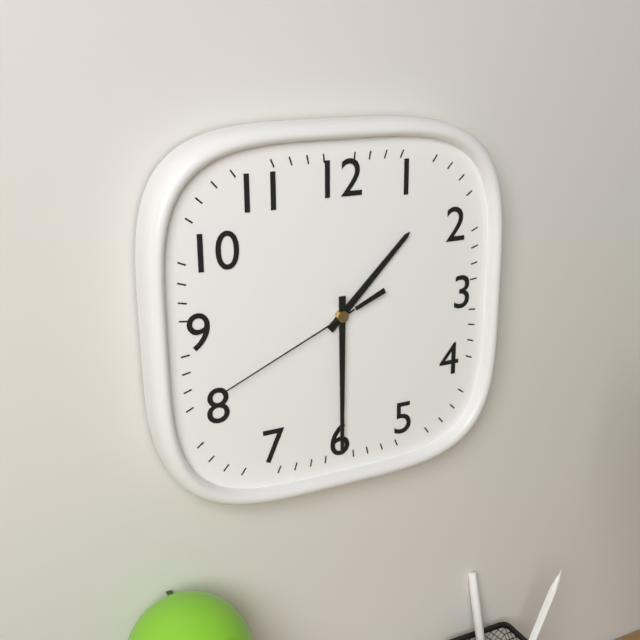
{"hour": 1, "minute": 30, "second": 41}
